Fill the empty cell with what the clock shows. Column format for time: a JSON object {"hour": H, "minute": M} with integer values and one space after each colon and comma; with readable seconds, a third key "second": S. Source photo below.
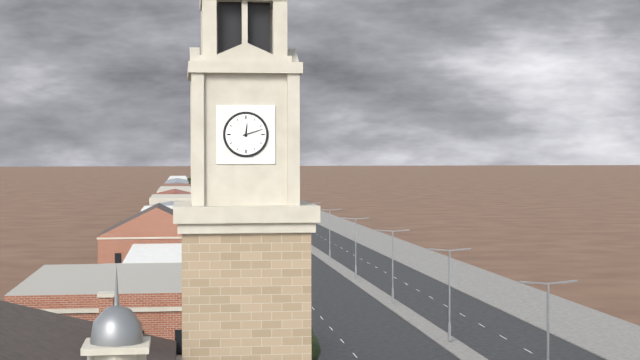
{"hour": 12, "minute": 12}
